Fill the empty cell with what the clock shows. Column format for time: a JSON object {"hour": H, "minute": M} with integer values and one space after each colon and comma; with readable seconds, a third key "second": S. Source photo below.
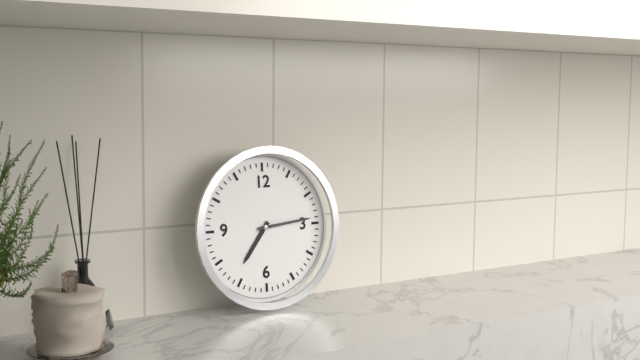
{"hour": 7, "minute": 14}
